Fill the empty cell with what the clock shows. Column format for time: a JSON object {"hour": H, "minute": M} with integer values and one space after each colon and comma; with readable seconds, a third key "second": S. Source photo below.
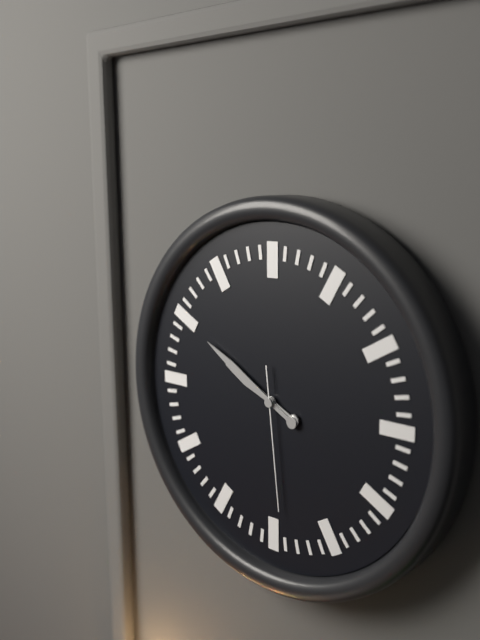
{"hour": 9, "minute": 50, "second": 29}
